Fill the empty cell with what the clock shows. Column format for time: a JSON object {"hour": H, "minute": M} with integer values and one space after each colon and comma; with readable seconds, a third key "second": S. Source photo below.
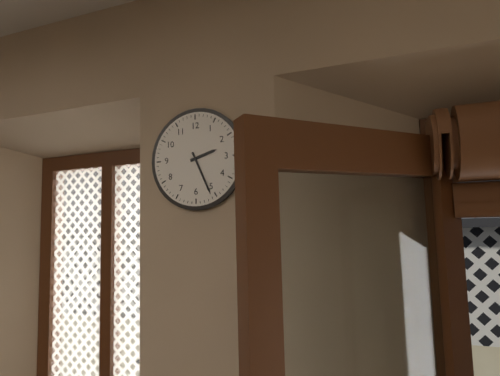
{"hour": 2, "minute": 26}
